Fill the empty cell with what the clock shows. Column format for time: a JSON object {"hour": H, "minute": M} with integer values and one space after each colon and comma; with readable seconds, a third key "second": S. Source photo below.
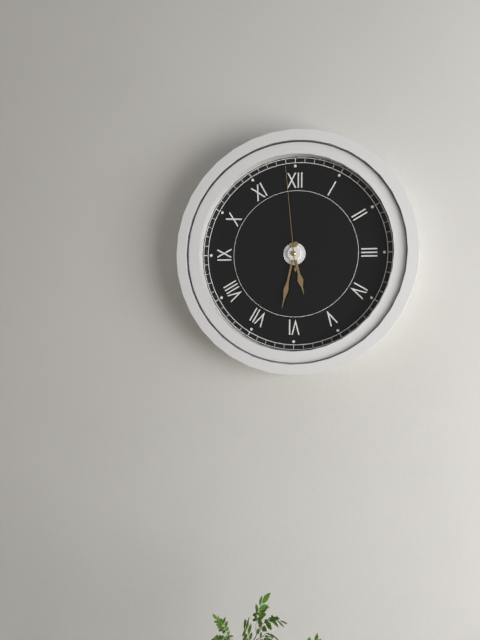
{"hour": 5, "minute": 32, "second": 59}
